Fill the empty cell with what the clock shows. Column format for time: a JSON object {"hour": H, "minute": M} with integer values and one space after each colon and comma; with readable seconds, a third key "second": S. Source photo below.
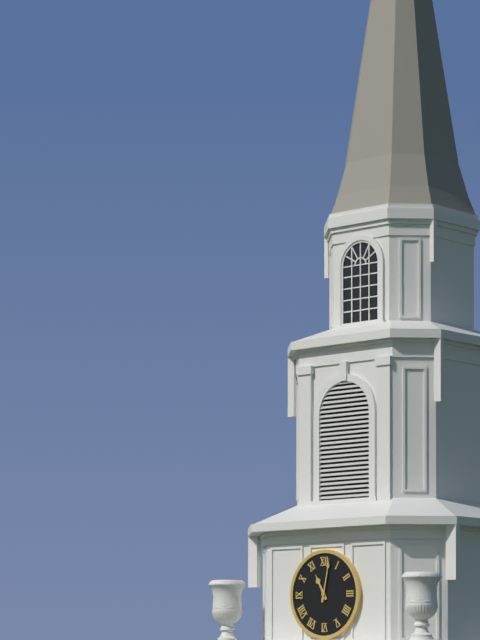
{"hour": 11, "minute": 2}
